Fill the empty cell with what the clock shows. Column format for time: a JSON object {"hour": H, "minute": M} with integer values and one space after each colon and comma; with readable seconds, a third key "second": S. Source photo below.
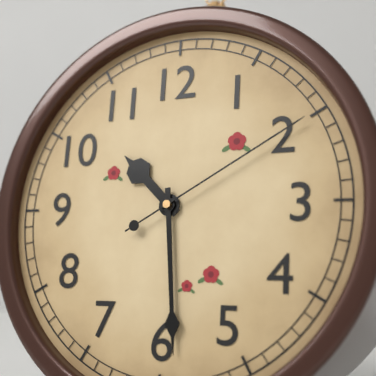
{"hour": 10, "minute": 29, "second": 10}
